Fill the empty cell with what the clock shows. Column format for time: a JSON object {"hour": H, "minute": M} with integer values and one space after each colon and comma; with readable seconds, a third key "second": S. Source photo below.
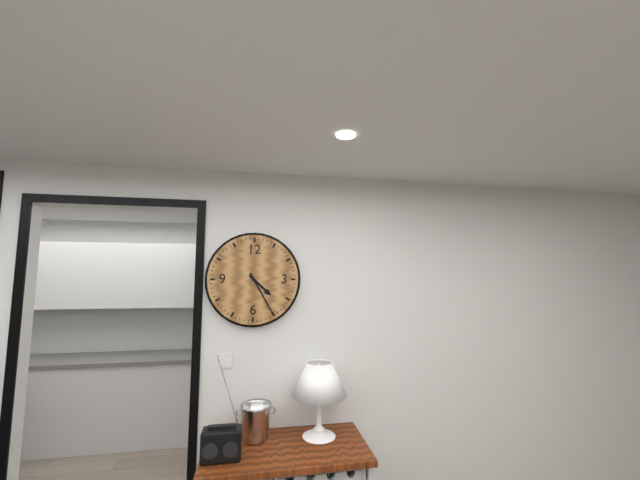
{"hour": 4, "minute": 25}
